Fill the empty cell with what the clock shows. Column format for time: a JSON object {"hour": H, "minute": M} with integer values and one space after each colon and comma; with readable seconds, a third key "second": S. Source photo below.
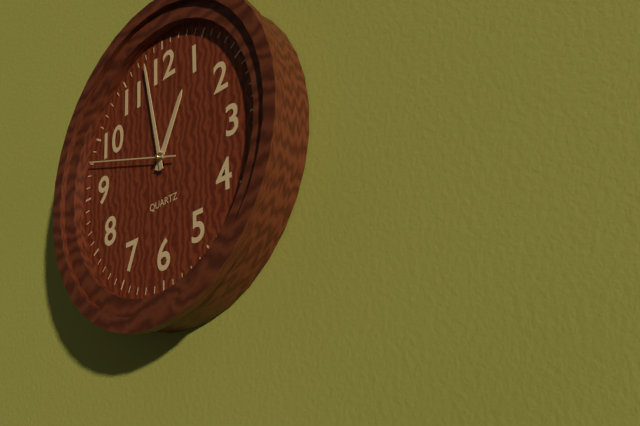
{"hour": 12, "minute": 58, "second": 48}
